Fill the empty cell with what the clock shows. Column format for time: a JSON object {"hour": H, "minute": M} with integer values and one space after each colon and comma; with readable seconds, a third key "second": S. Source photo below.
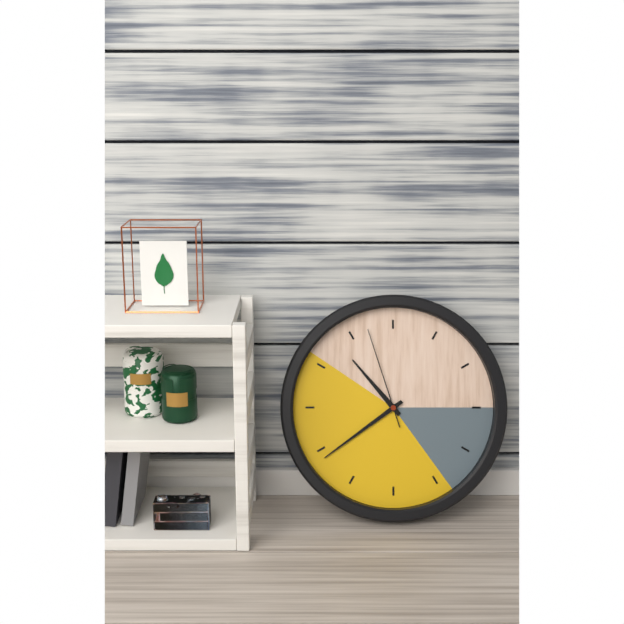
{"hour": 10, "minute": 39, "second": 57}
